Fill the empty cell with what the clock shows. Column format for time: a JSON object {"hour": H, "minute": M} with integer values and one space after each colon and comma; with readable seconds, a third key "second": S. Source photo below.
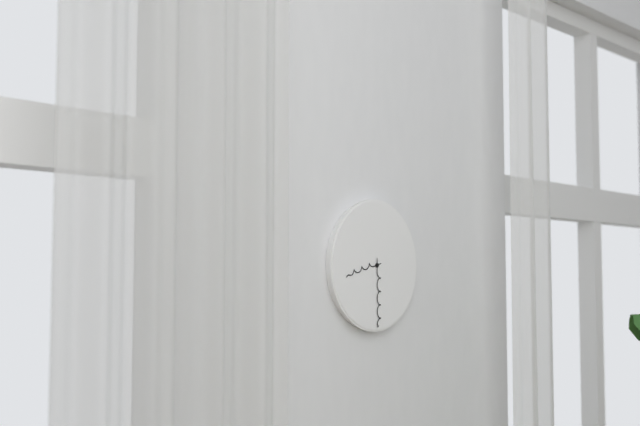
{"hour": 8, "minute": 30}
